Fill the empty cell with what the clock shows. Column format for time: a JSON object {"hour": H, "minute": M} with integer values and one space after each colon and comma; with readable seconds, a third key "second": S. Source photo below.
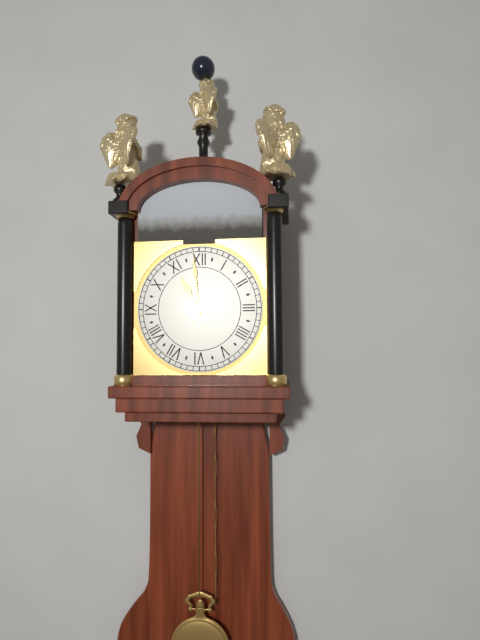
{"hour": 10, "minute": 59}
